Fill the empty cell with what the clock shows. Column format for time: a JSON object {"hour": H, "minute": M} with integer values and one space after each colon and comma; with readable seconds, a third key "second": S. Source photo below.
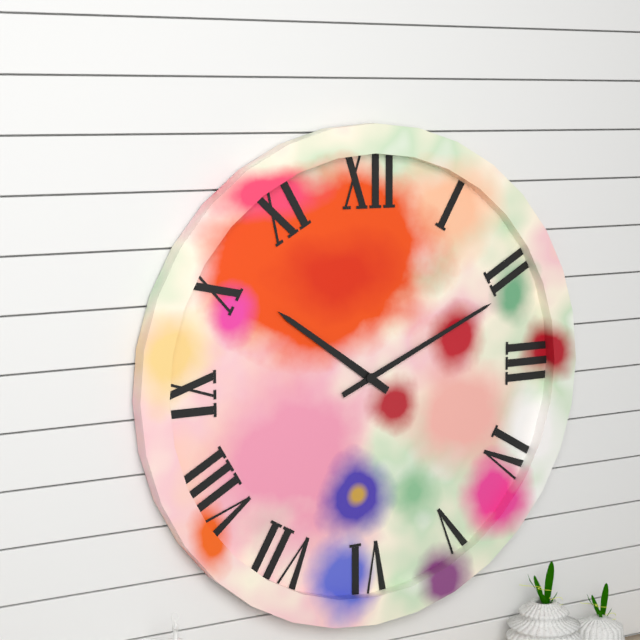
{"hour": 10, "minute": 11}
